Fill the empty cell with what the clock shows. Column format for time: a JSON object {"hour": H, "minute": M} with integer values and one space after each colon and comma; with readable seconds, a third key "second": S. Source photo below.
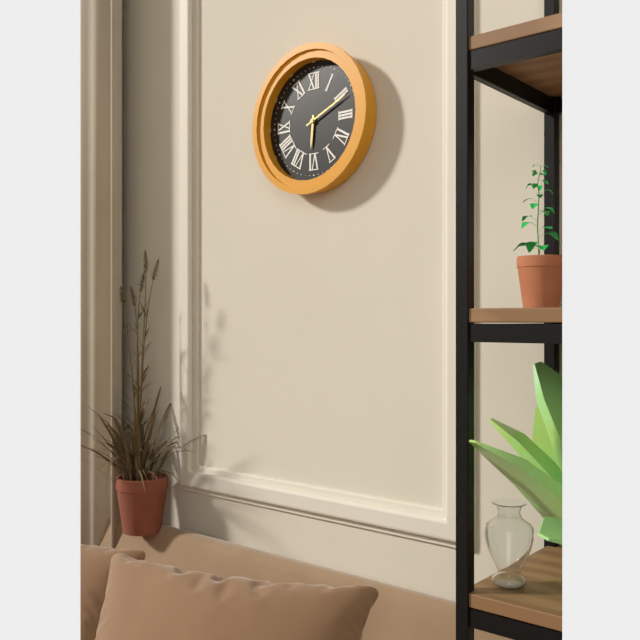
{"hour": 6, "minute": 11}
